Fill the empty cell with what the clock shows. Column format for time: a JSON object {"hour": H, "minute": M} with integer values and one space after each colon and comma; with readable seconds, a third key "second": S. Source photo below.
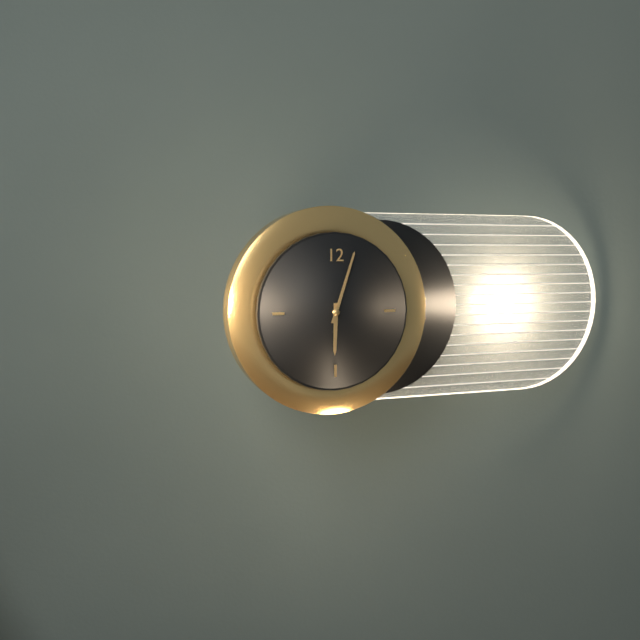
{"hour": 6, "minute": 3}
